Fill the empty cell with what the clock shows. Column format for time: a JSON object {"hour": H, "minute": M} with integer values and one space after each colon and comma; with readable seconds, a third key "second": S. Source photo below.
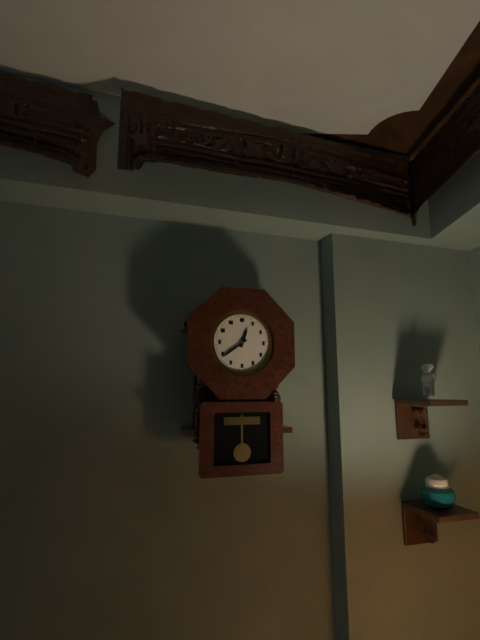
{"hour": 12, "minute": 39}
